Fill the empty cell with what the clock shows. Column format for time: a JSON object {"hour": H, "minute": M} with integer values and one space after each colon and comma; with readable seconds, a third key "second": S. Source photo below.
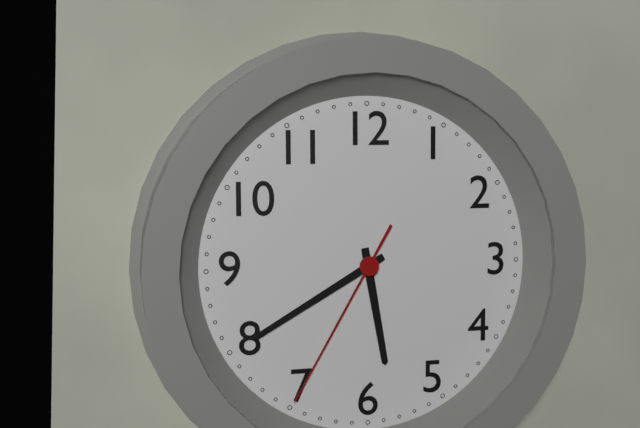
{"hour": 5, "minute": 40, "second": 35}
